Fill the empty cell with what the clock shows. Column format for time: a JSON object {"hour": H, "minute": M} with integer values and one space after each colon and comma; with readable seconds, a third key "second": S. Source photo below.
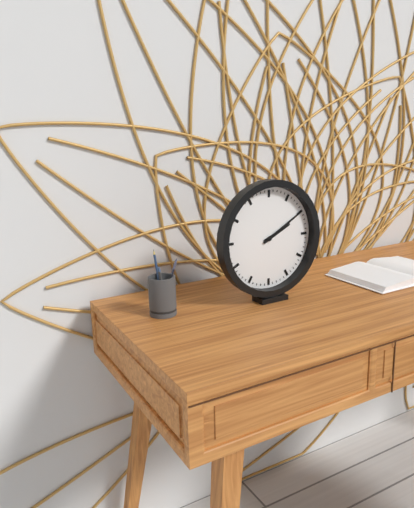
{"hour": 2, "minute": 10}
